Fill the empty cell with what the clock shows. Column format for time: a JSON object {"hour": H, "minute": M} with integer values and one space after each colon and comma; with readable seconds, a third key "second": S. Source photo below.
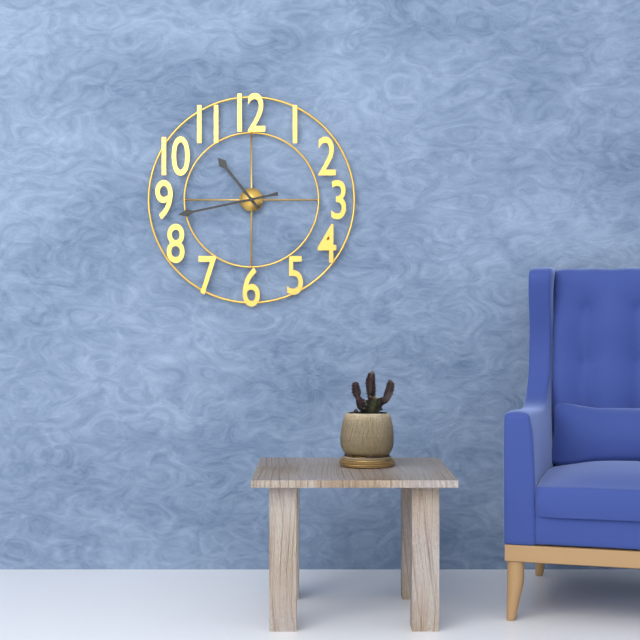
{"hour": 10, "minute": 43}
